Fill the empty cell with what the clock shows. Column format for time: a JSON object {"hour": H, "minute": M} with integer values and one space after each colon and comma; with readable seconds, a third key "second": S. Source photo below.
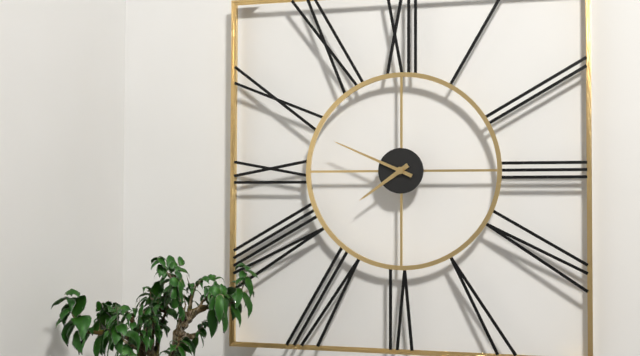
{"hour": 7, "minute": 49}
